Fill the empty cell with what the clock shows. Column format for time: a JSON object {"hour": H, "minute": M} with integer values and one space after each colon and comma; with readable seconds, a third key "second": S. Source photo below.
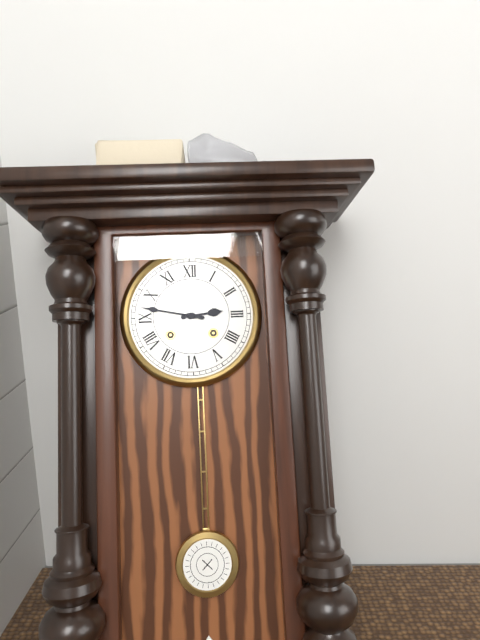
{"hour": 2, "minute": 47}
